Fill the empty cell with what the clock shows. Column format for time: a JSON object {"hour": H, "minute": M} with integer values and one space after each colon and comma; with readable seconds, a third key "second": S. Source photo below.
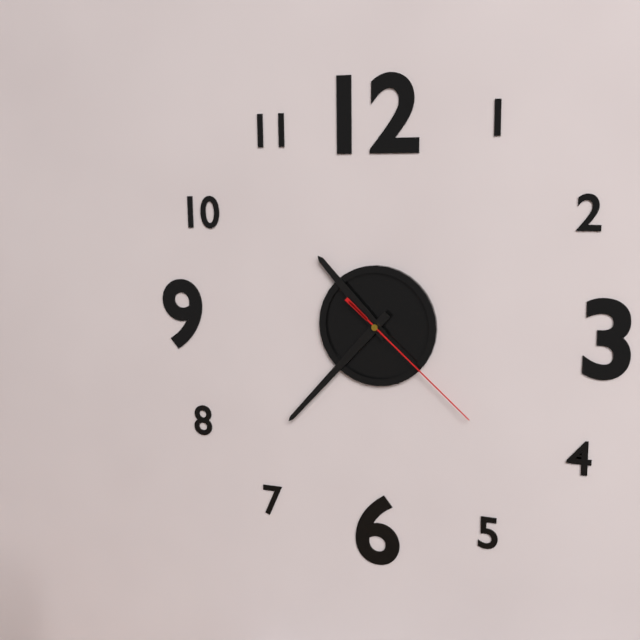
{"hour": 10, "minute": 37, "second": 22}
